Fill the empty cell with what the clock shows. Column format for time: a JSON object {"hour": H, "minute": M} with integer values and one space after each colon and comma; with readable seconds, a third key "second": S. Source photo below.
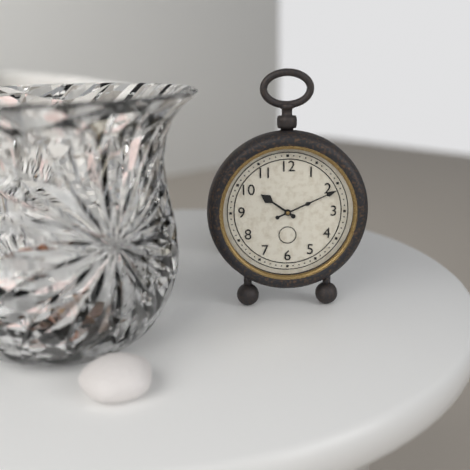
{"hour": 10, "minute": 11}
